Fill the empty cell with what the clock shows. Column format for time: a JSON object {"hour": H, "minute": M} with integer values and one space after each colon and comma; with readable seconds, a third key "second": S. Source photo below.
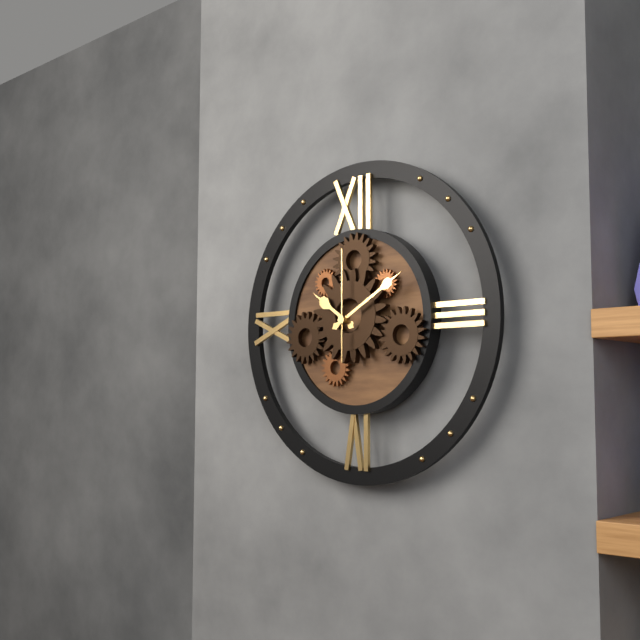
{"hour": 10, "minute": 10, "second": 0}
